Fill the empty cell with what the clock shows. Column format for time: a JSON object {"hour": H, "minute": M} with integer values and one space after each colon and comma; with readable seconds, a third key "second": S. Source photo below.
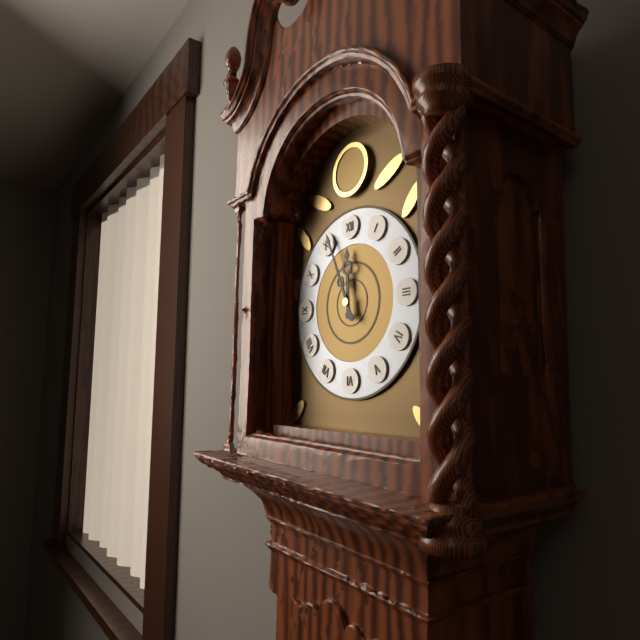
{"hour": 11, "minute": 56}
